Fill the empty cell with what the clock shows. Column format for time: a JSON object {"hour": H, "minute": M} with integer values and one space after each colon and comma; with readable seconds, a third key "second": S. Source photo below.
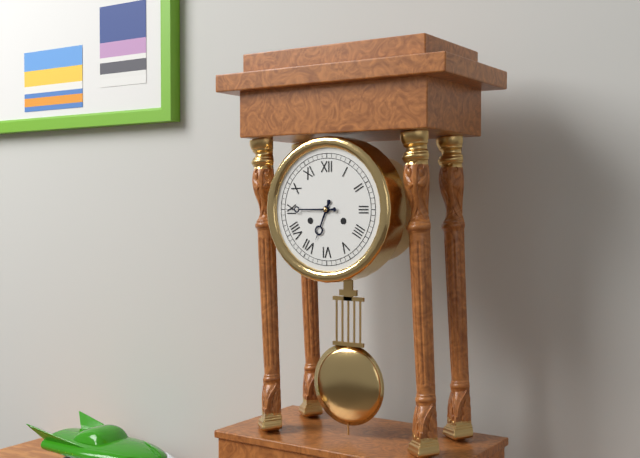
{"hour": 6, "minute": 45}
